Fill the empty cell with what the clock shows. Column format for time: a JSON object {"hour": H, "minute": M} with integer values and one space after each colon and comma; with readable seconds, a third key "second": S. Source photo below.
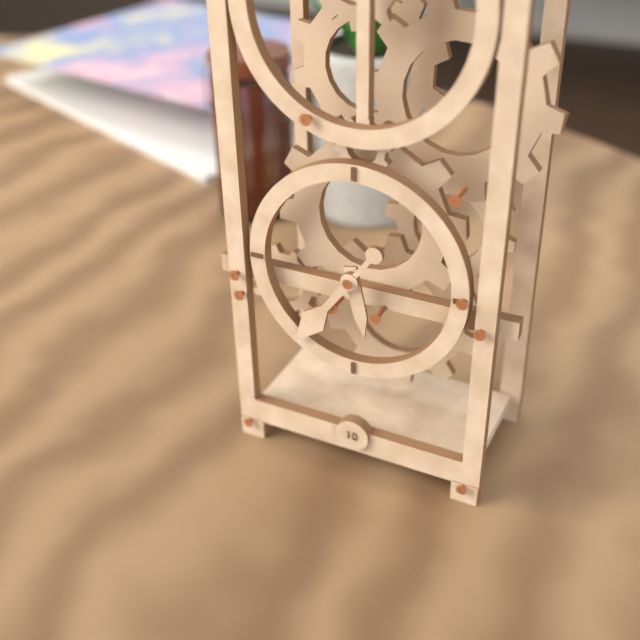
{"hour": 5, "minute": 36}
